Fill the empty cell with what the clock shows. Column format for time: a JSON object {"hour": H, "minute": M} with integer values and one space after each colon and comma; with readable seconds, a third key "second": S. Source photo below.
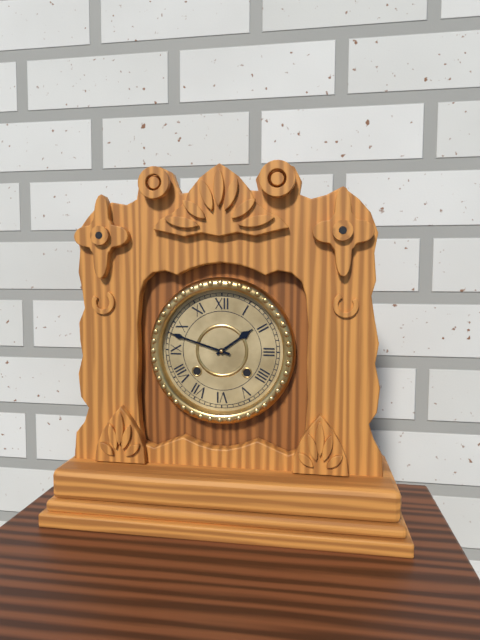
{"hour": 1, "minute": 48}
